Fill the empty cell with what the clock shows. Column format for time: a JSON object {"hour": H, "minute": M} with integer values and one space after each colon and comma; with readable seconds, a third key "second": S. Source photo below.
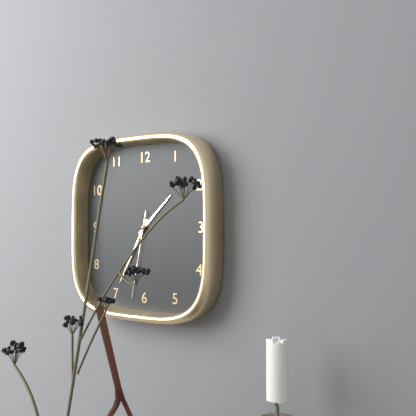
{"hour": 1, "minute": 35, "second": 32}
